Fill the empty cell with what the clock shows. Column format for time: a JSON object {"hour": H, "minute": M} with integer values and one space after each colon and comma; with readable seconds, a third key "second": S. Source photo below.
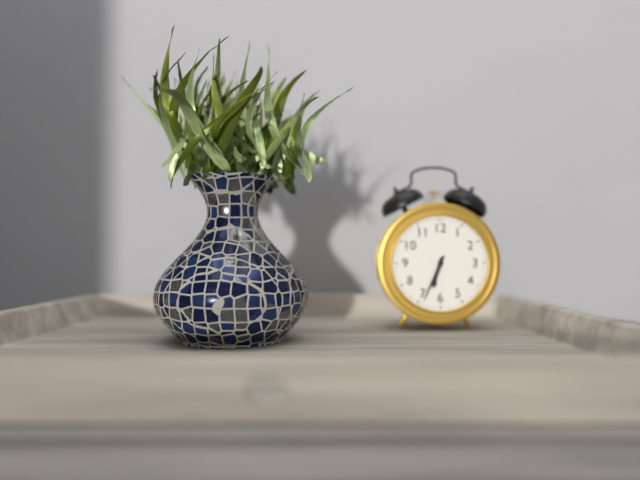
{"hour": 6, "minute": 34}
